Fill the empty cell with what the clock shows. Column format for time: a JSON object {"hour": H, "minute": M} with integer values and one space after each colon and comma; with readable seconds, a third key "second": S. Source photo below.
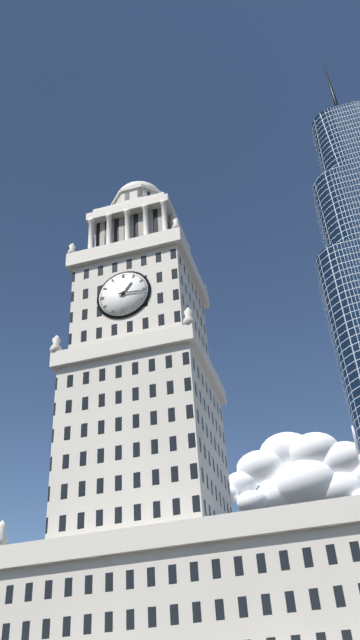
{"hour": 1, "minute": 16}
